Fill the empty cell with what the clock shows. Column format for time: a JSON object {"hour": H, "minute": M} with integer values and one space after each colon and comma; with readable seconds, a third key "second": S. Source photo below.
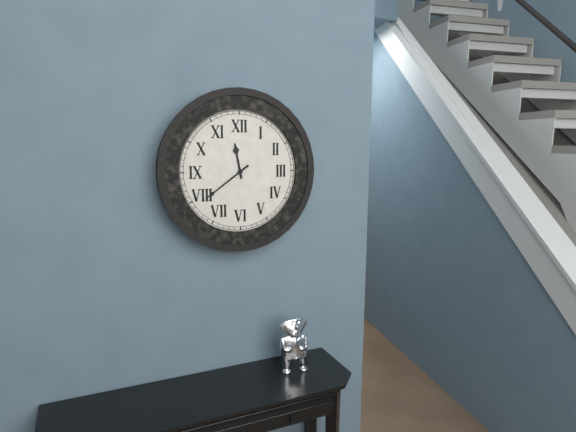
{"hour": 11, "minute": 39}
